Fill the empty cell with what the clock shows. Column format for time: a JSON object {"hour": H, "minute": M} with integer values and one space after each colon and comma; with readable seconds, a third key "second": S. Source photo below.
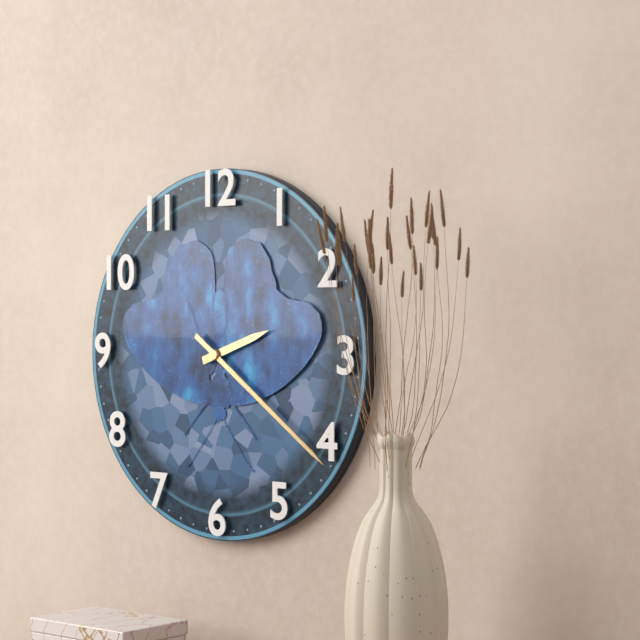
{"hour": 2, "minute": 21}
